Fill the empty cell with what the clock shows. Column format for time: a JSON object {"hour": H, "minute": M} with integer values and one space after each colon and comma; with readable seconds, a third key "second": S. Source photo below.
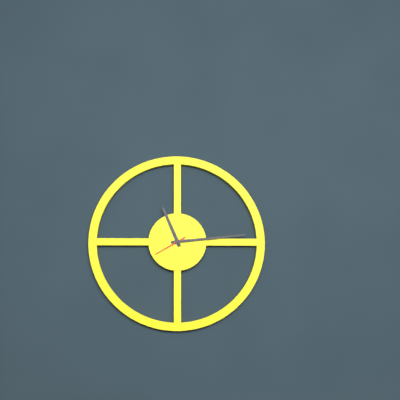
{"hour": 11, "minute": 14}
